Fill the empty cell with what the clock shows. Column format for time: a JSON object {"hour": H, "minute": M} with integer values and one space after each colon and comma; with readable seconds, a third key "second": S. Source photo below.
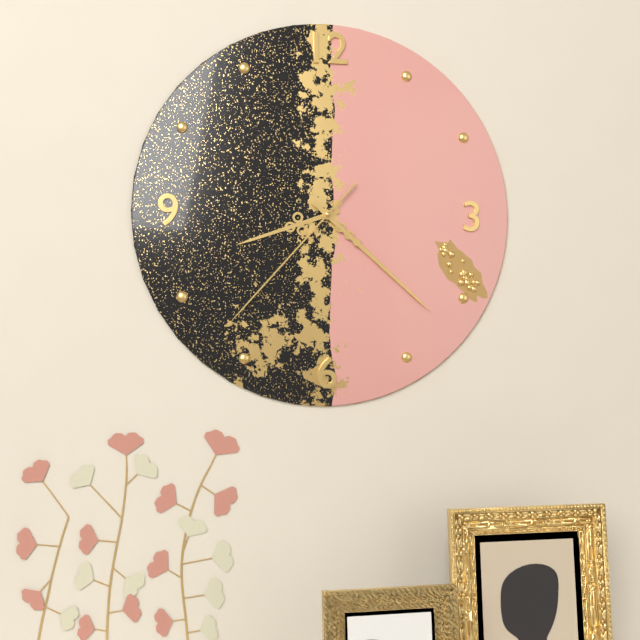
{"hour": 8, "minute": 22, "second": 37}
